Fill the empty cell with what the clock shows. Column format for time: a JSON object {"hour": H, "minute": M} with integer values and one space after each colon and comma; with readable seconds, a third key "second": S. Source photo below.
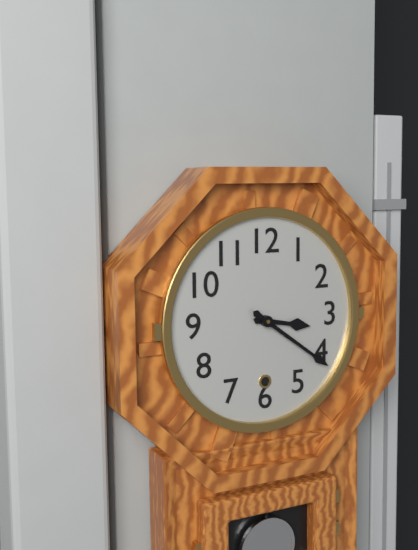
{"hour": 3, "minute": 21}
